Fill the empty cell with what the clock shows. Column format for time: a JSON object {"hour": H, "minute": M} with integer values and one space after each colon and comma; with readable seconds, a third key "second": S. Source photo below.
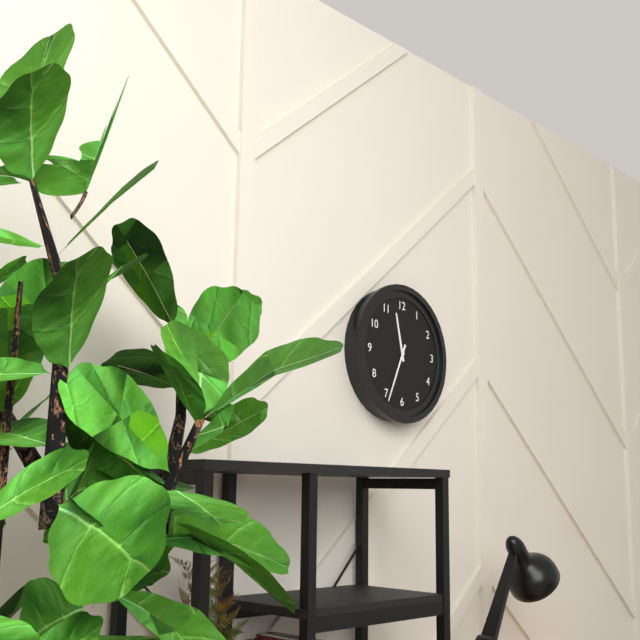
{"hour": 11, "minute": 34}
